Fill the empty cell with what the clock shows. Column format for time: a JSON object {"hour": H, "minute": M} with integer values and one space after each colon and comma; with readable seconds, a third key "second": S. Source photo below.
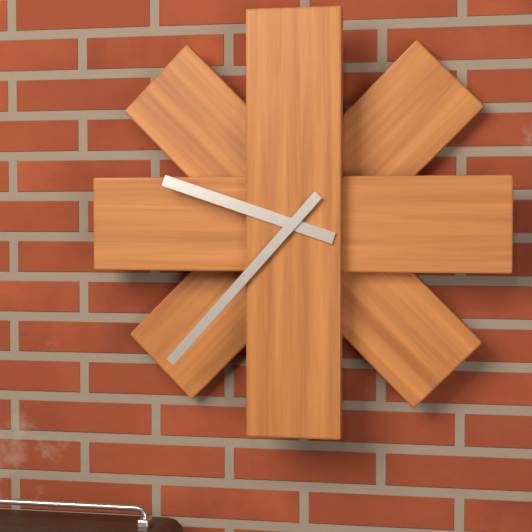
{"hour": 9, "minute": 37}
